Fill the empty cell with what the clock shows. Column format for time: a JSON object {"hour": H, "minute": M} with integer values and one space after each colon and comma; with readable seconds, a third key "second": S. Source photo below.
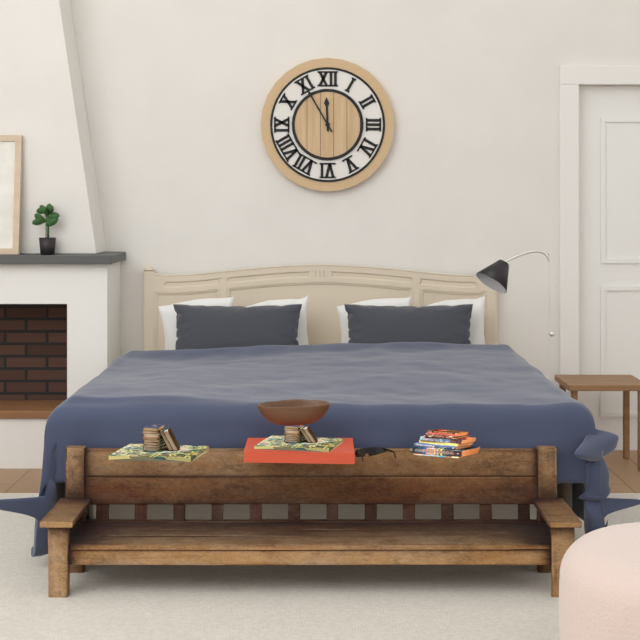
{"hour": 11, "minute": 55}
